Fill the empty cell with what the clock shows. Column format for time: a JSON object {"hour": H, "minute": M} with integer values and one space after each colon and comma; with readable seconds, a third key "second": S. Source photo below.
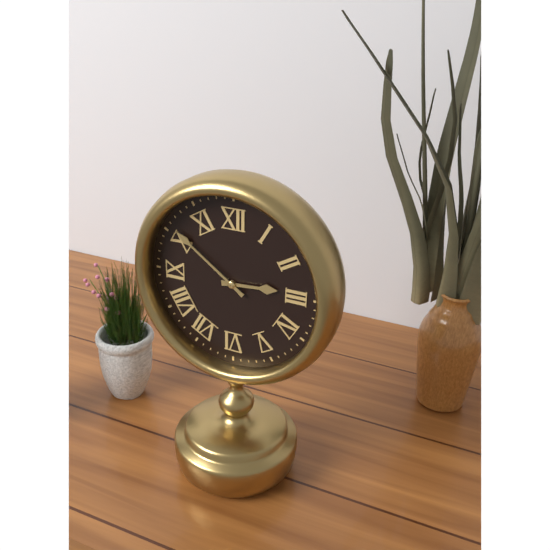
{"hour": 2, "minute": 51}
